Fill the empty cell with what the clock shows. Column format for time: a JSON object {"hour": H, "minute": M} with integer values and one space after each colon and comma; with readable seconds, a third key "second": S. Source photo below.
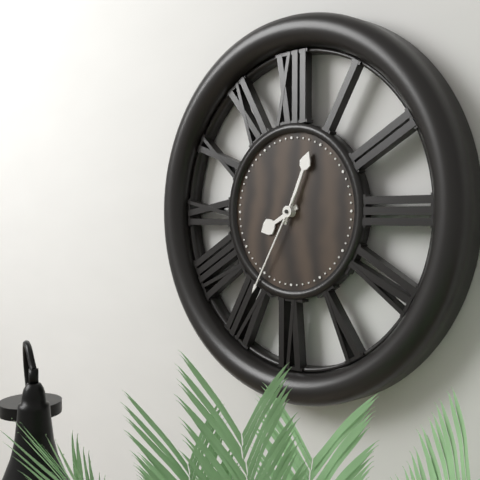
{"hour": 8, "minute": 4, "second": 35}
